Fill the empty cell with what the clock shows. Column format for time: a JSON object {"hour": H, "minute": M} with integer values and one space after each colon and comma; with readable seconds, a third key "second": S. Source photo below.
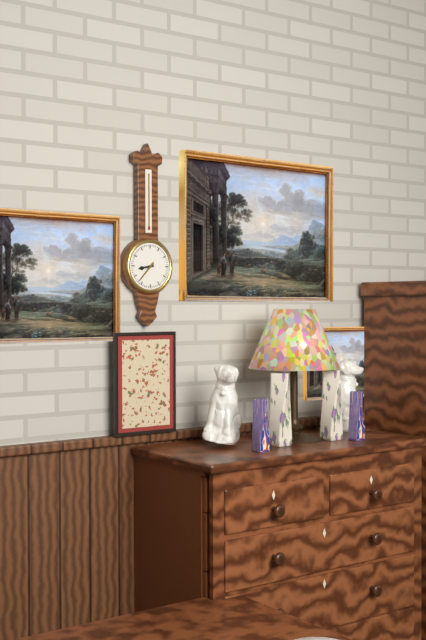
{"hour": 8, "minute": 37}
